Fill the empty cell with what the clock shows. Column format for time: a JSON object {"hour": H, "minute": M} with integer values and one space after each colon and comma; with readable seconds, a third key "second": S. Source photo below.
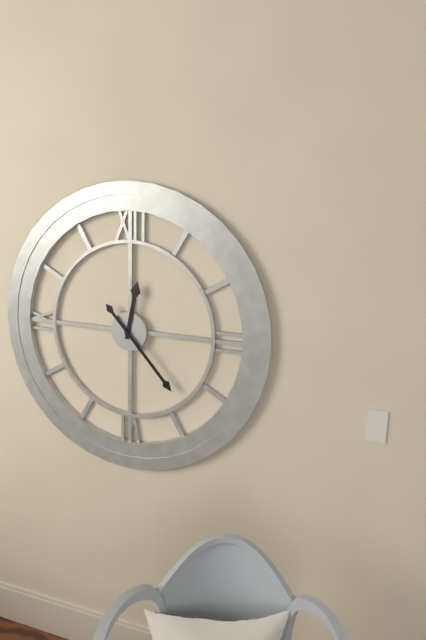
{"hour": 12, "minute": 23}
